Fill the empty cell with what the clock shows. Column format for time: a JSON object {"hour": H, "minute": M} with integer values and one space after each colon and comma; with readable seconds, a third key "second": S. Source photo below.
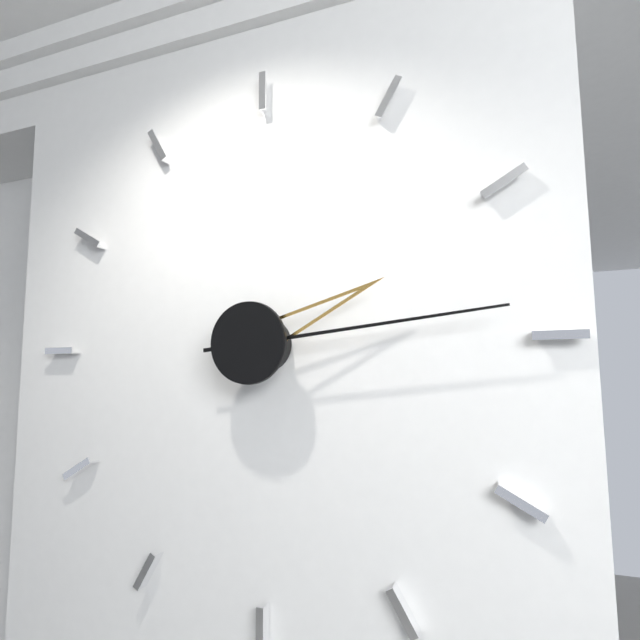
{"hour": 2, "minute": 14}
